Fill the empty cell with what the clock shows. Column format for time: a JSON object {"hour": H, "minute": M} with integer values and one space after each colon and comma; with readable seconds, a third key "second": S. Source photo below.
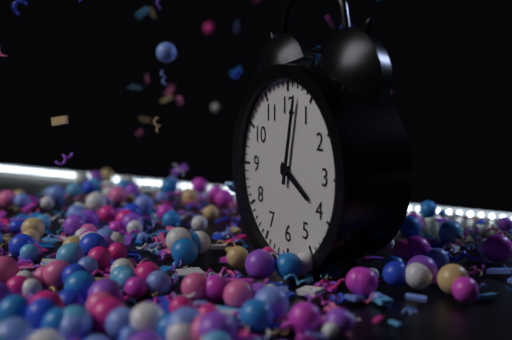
{"hour": 4, "minute": 2}
